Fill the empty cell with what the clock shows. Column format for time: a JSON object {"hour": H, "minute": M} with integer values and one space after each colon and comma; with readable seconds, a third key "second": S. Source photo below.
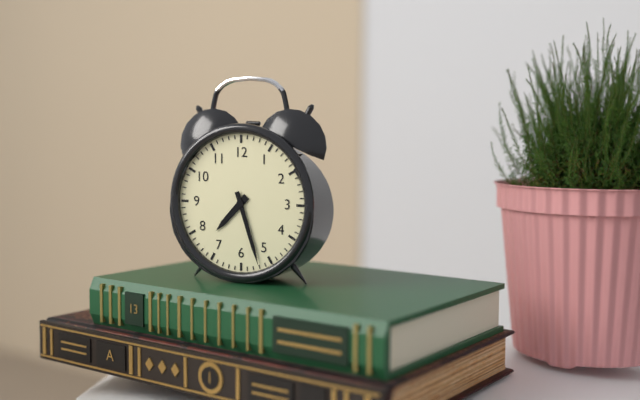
{"hour": 7, "minute": 27}
